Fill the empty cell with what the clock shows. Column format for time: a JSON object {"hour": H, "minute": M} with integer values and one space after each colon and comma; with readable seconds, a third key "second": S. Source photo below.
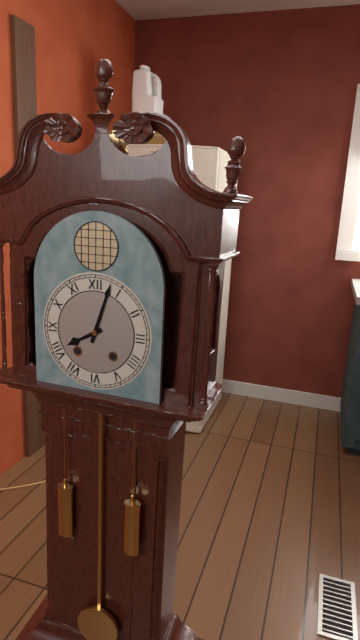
{"hour": 8, "minute": 3}
